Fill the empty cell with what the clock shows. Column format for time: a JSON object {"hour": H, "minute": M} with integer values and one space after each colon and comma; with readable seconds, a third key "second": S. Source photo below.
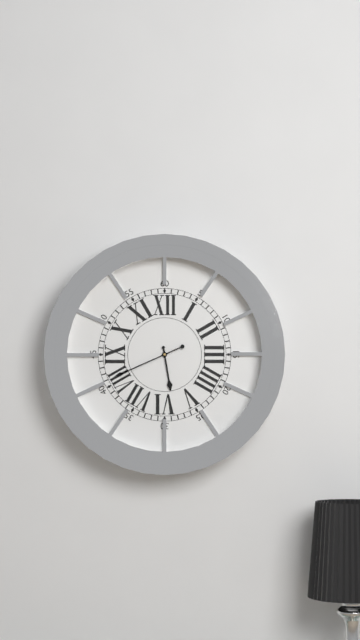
{"hour": 5, "minute": 41}
